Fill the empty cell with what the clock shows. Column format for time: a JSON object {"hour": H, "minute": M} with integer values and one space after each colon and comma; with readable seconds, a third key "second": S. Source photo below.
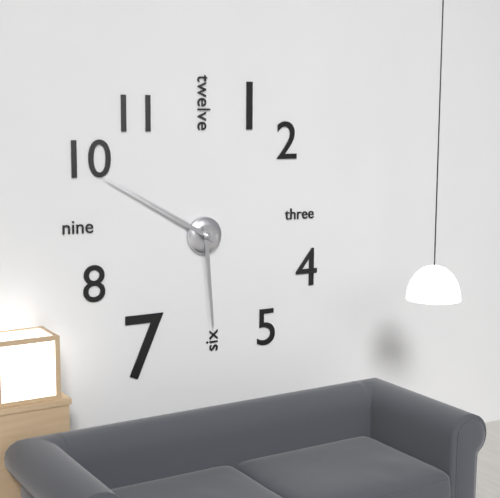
{"hour": 5, "minute": 50}
